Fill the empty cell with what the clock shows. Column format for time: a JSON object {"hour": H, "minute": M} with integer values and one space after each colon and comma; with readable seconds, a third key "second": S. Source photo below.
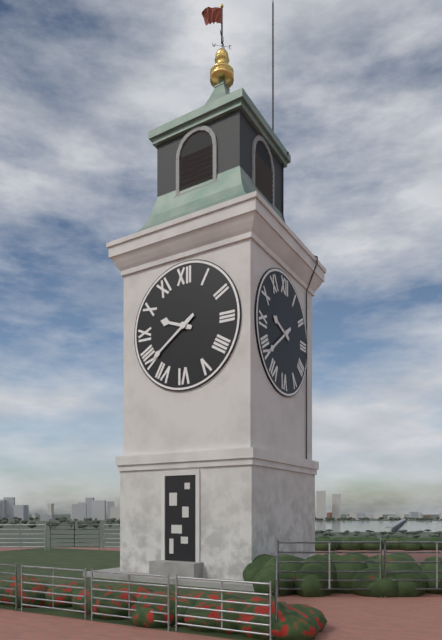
{"hour": 9, "minute": 39}
